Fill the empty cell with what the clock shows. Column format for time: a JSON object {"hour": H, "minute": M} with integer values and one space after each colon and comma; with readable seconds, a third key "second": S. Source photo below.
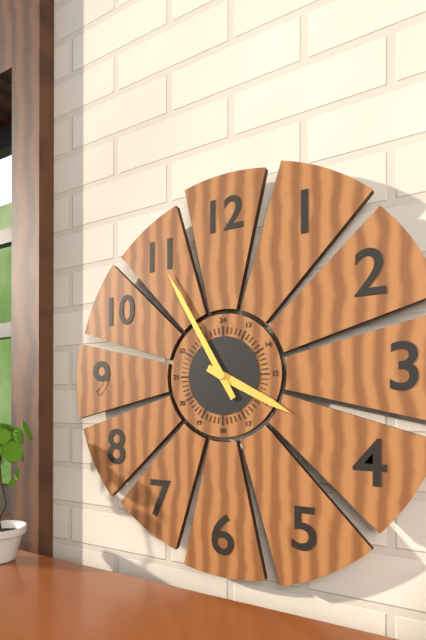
{"hour": 3, "minute": 55}
